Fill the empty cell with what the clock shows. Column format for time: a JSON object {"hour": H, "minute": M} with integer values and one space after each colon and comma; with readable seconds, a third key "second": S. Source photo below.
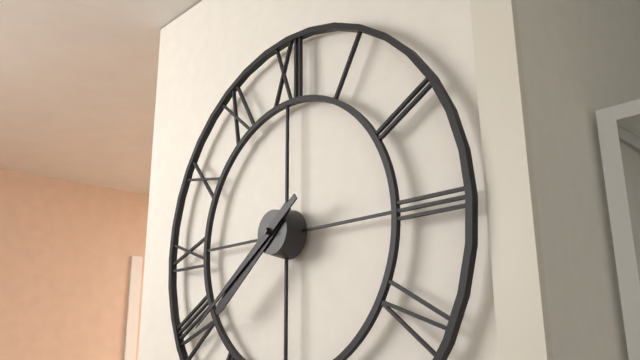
{"hour": 7, "minute": 39}
